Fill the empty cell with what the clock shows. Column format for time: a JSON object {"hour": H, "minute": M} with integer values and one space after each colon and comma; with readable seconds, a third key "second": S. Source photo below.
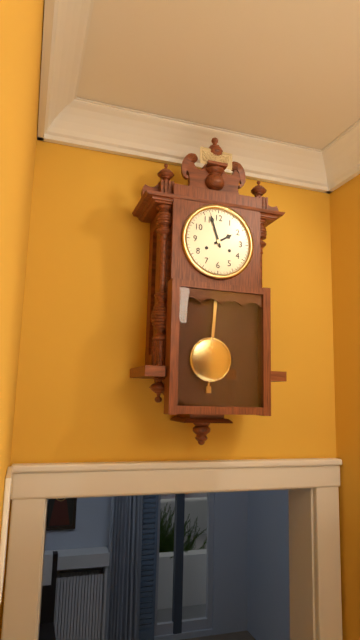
{"hour": 1, "minute": 57}
